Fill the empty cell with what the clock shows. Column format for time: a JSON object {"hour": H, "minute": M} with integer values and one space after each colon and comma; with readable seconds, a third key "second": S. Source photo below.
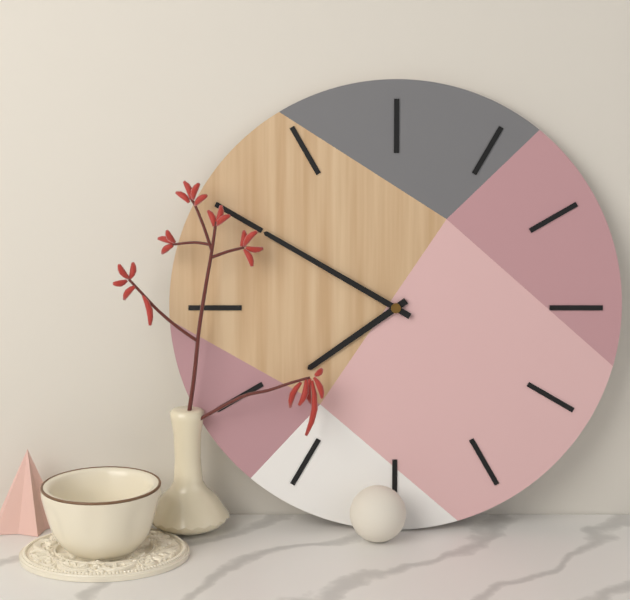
{"hour": 7, "minute": 50}
